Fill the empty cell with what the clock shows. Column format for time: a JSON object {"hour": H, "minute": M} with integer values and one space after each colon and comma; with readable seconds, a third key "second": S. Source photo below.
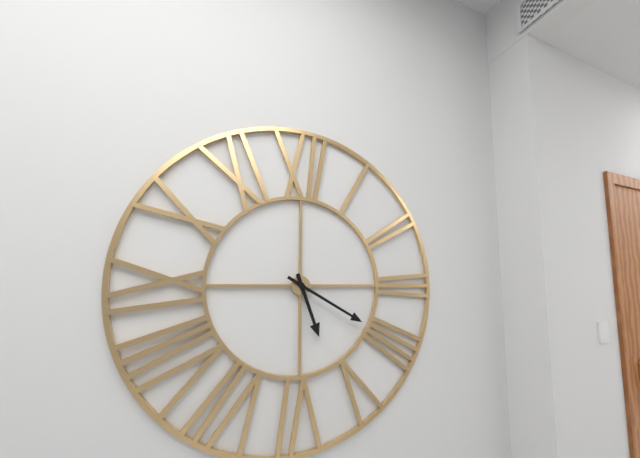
{"hour": 5, "minute": 20}
